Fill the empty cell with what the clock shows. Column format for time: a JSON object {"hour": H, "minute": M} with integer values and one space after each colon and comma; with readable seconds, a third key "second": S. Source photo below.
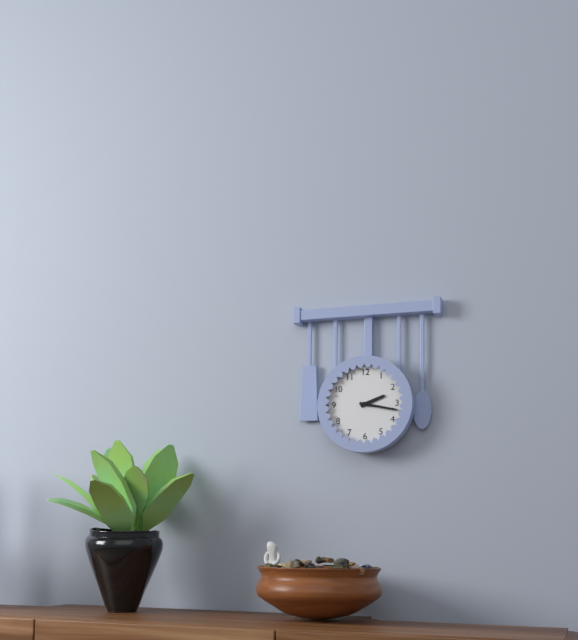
{"hour": 2, "minute": 17}
